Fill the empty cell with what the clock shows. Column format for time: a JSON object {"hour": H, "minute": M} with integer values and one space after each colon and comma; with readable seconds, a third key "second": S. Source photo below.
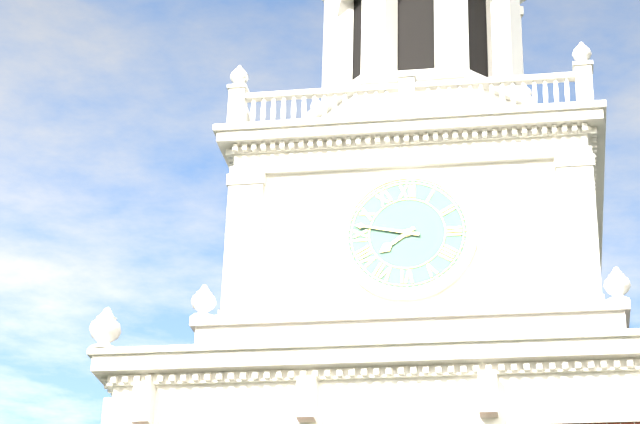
{"hour": 7, "minute": 47}
